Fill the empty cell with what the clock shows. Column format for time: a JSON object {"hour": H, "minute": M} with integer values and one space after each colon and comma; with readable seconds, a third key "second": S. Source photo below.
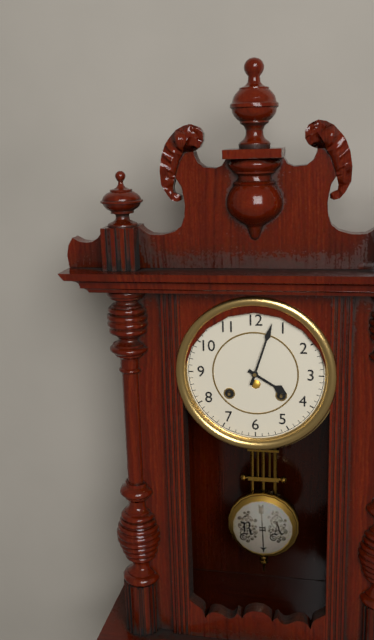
{"hour": 4, "minute": 3}
